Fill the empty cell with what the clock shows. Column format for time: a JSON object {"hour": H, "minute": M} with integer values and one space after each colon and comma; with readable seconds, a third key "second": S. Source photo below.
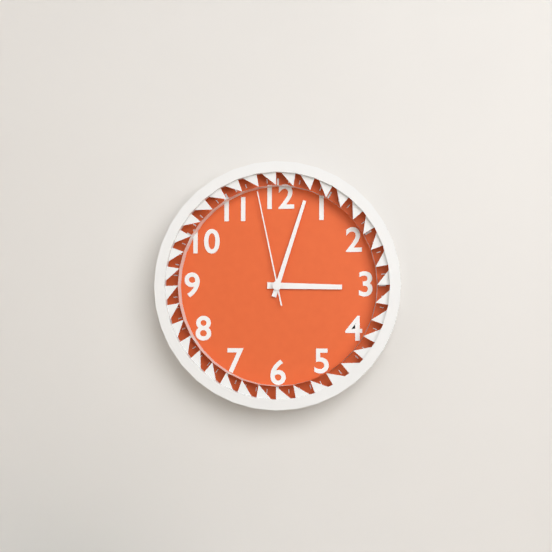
{"hour": 3, "minute": 3, "second": 58}
